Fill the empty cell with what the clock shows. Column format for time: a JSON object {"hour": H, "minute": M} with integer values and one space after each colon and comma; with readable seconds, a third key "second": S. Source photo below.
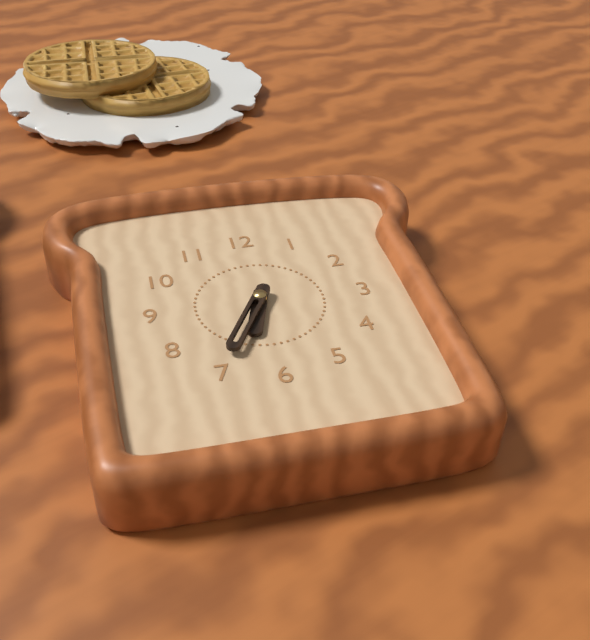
{"hour": 6, "minute": 35}
